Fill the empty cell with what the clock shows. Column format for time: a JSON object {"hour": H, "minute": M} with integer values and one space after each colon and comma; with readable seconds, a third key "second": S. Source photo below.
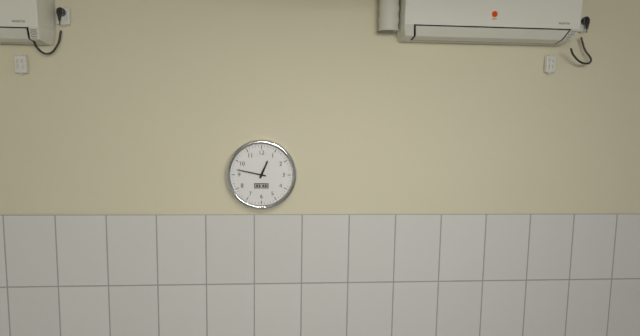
{"hour": 12, "minute": 47}
